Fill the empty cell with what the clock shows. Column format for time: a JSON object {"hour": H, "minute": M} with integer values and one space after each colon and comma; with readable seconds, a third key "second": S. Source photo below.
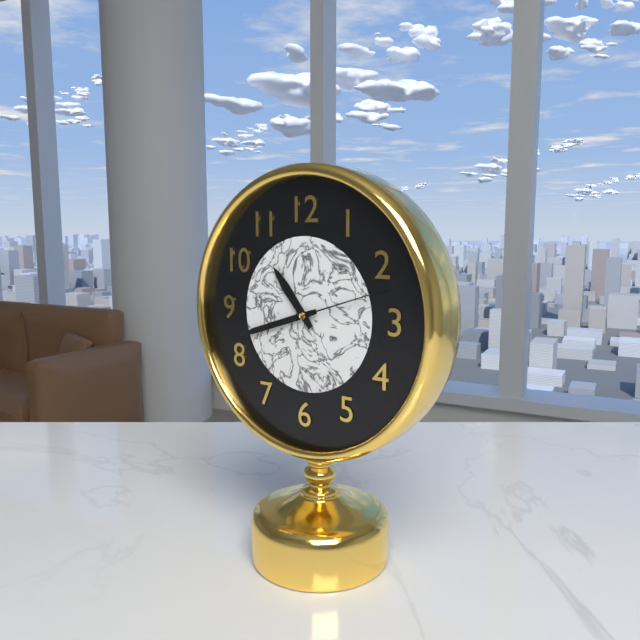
{"hour": 10, "minute": 42, "second": 12}
